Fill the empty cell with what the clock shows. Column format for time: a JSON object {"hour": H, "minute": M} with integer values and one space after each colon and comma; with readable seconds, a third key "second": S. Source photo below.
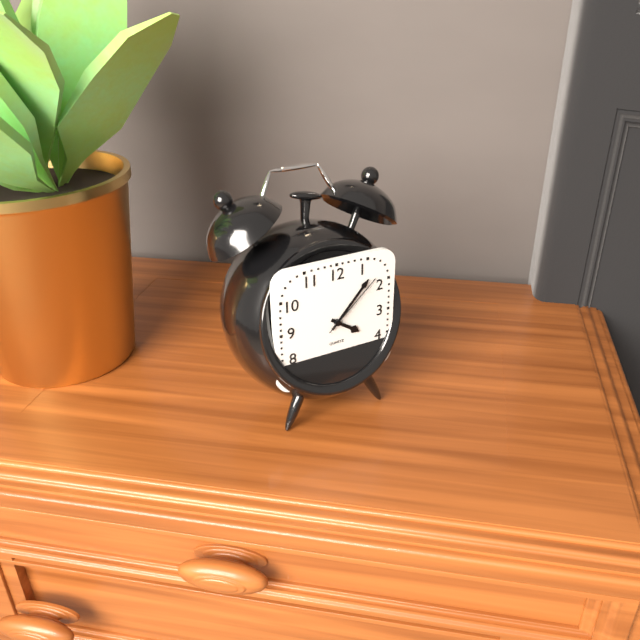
{"hour": 4, "minute": 7, "second": 8}
